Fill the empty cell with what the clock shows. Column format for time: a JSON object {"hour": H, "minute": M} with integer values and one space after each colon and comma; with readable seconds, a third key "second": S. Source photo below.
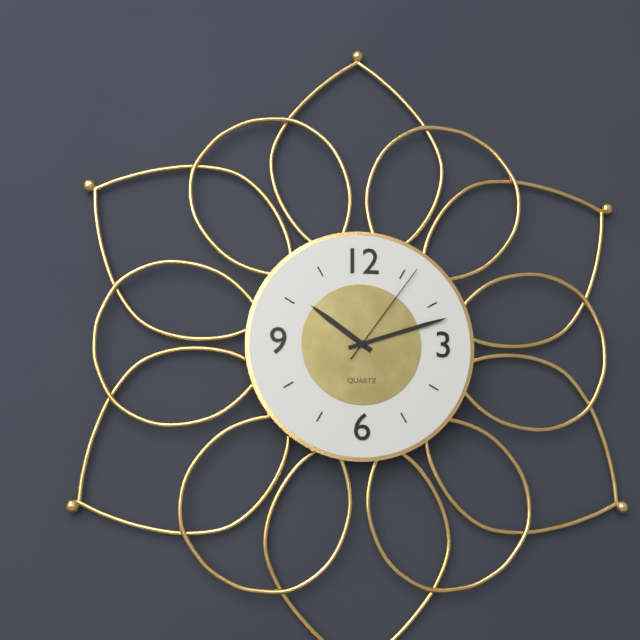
{"hour": 10, "minute": 12, "second": 6}
